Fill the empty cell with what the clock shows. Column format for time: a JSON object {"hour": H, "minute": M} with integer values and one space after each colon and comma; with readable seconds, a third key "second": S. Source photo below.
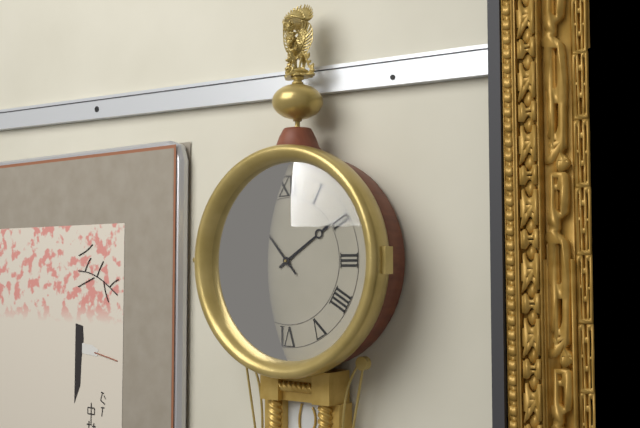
{"hour": 1, "minute": 53}
